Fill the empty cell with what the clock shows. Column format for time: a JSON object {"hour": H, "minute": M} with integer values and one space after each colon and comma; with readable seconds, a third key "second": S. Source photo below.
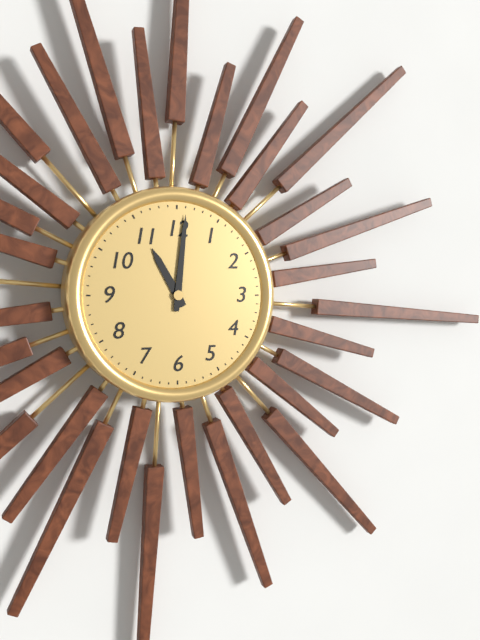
{"hour": 11, "minute": 1}
